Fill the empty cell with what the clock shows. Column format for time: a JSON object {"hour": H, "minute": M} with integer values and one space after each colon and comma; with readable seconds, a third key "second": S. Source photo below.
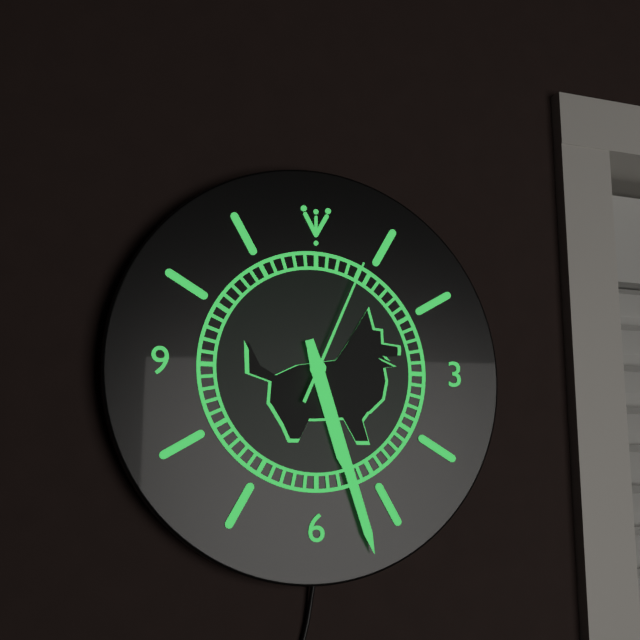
{"hour": 5, "minute": 27, "second": 4}
